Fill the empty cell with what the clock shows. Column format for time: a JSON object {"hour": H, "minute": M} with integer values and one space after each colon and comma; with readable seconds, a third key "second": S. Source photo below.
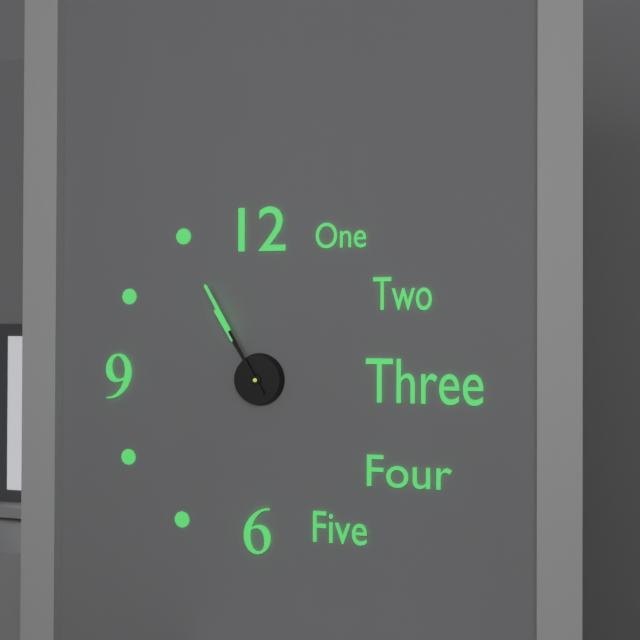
{"hour": 10, "minute": 55}
